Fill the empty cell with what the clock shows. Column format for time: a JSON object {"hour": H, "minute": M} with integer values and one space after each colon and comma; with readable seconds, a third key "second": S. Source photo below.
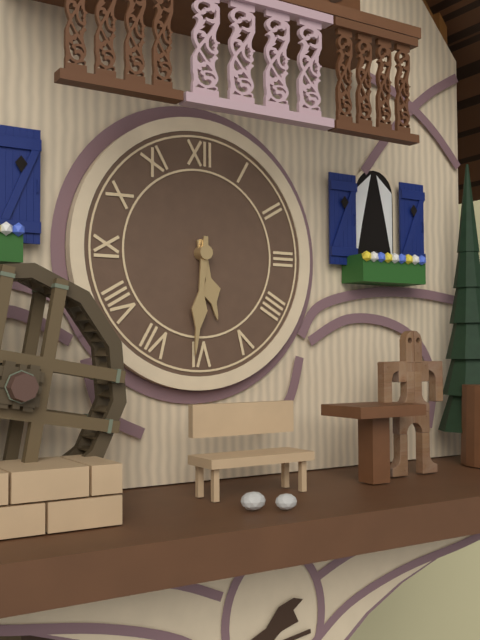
{"hour": 5, "minute": 31}
